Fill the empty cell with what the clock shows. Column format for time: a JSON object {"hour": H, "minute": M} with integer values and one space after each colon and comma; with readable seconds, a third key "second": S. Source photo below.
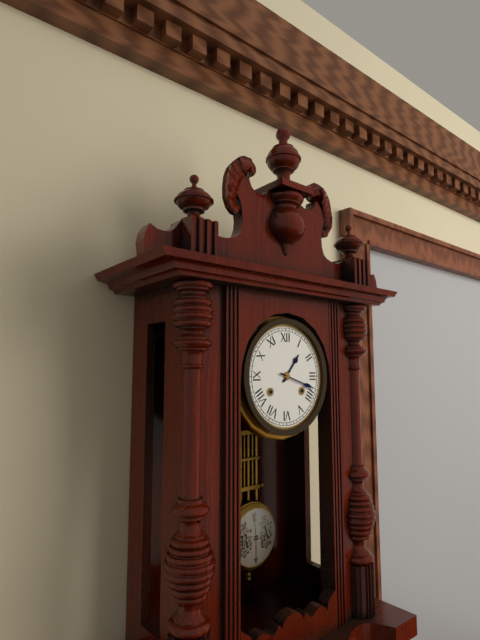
{"hour": 1, "minute": 18}
